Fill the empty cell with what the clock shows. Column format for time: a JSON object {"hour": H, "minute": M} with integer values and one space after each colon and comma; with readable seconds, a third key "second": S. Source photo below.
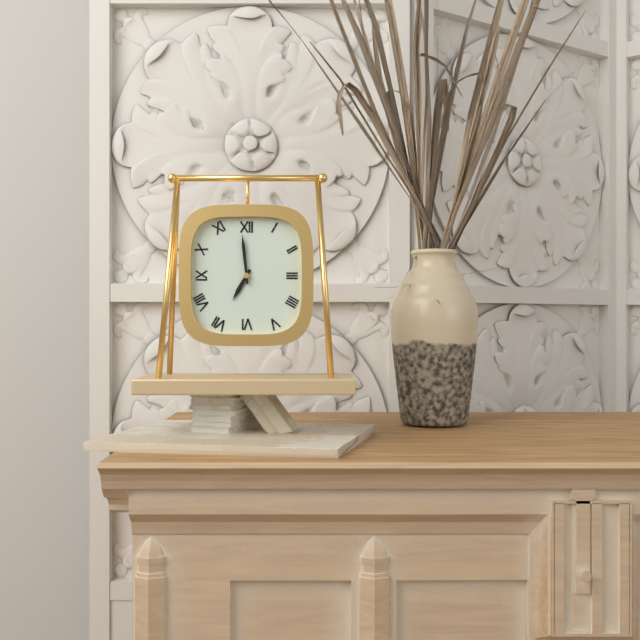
{"hour": 6, "minute": 59}
